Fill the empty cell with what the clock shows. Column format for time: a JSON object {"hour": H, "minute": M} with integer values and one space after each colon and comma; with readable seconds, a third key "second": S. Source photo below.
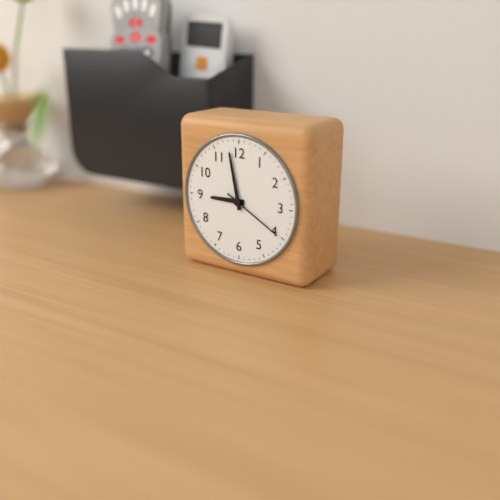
{"hour": 8, "minute": 58, "second": 20}
